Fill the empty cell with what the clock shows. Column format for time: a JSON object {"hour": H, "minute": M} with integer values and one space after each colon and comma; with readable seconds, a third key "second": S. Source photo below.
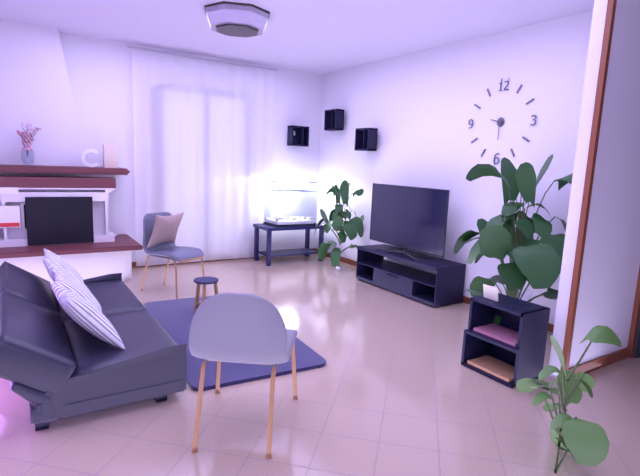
{"hour": 9, "minute": 30}
